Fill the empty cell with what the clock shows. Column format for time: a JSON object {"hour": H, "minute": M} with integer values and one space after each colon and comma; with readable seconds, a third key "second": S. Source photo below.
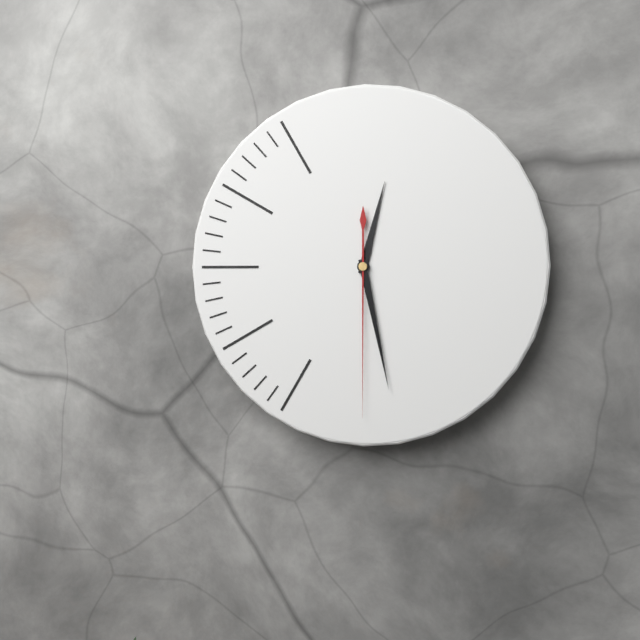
{"hour": 12, "minute": 28, "second": 30}
